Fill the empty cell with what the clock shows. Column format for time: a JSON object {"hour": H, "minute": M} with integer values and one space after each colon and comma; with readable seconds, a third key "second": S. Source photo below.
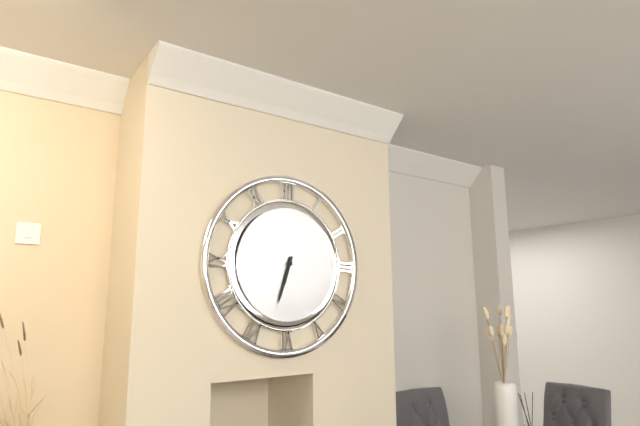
{"hour": 6, "minute": 33}
